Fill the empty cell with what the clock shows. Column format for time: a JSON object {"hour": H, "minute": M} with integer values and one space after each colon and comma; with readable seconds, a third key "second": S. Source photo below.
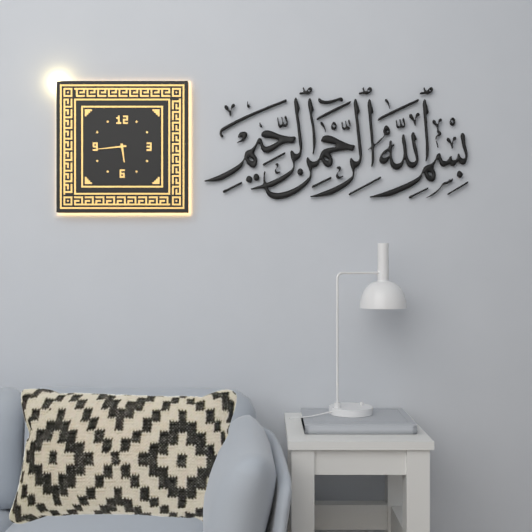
{"hour": 5, "minute": 44}
